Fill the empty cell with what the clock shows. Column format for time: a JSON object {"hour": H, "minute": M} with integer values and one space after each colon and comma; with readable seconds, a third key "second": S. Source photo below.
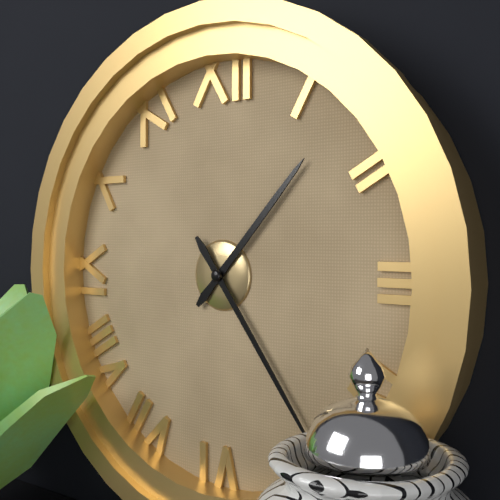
{"hour": 1, "minute": 24}
